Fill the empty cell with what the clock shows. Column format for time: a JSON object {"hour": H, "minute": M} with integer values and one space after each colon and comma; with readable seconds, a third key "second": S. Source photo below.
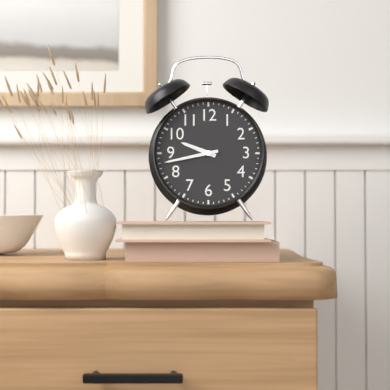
{"hour": 9, "minute": 43}
